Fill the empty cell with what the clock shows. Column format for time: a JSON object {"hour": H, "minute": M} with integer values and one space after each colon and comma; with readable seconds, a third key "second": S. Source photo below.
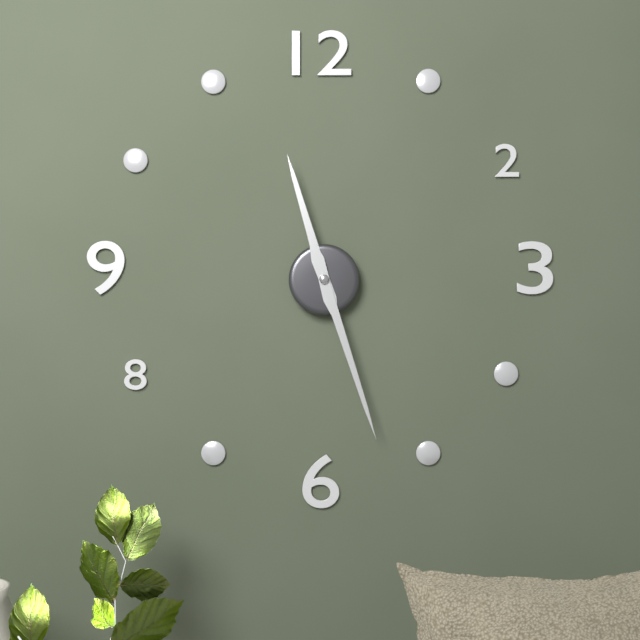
{"hour": 11, "minute": 27}
